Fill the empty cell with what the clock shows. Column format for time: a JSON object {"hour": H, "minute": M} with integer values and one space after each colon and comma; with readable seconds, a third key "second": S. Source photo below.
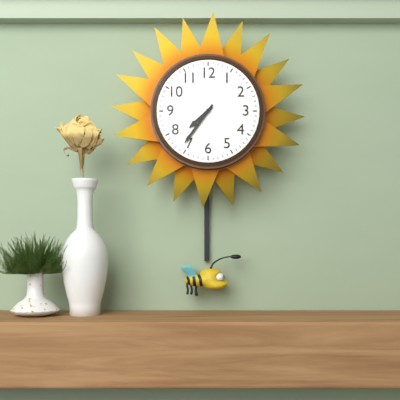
{"hour": 7, "minute": 36}
